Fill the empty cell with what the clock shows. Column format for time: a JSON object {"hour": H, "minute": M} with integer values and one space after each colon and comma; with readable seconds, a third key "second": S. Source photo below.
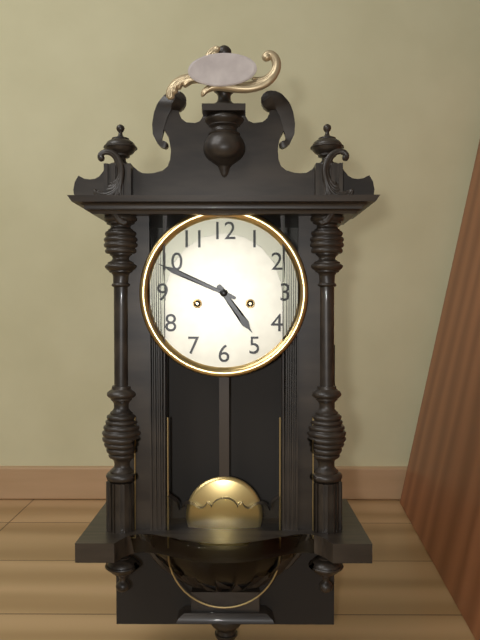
{"hour": 4, "minute": 49}
